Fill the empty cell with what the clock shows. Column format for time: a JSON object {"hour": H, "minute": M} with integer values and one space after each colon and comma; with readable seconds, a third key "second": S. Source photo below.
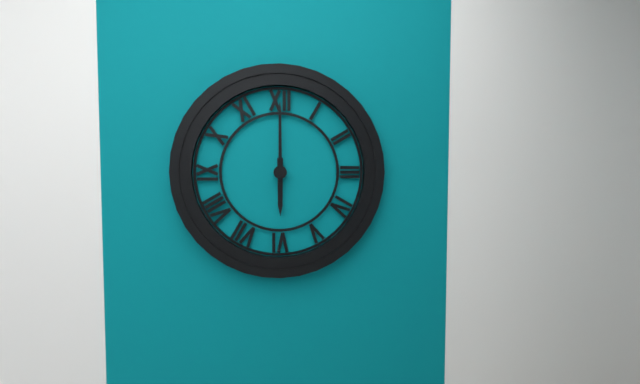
{"hour": 6, "minute": 0}
